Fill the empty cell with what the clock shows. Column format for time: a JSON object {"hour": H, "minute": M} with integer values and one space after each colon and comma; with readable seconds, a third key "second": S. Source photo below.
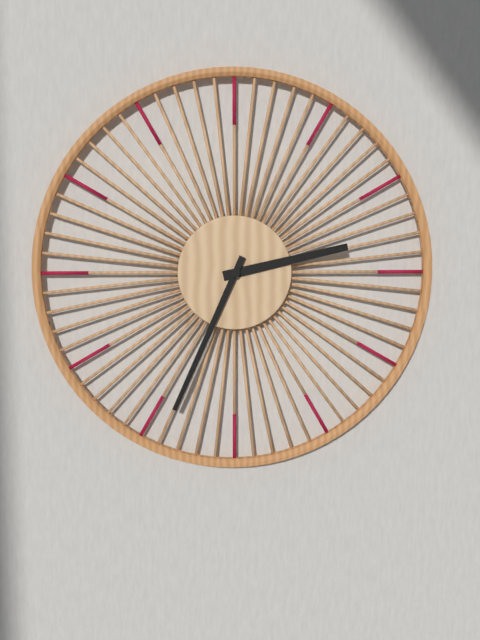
{"hour": 2, "minute": 34}
